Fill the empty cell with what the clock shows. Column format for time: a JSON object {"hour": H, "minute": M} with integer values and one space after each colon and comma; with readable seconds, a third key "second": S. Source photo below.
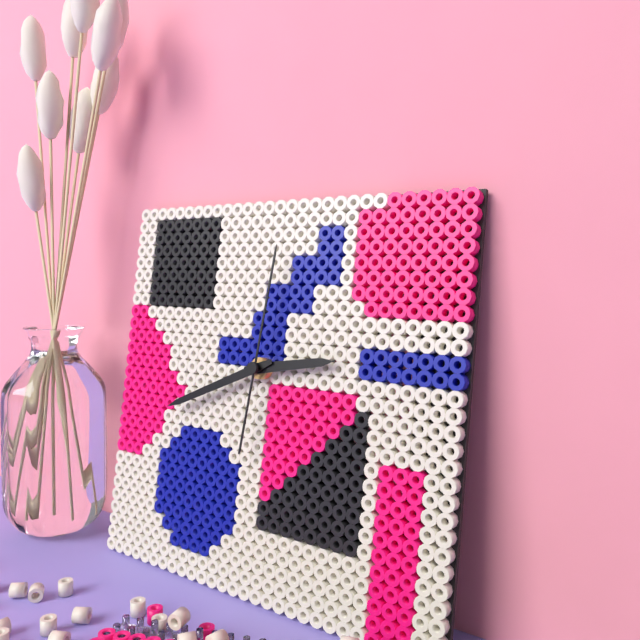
{"hour": 2, "minute": 41, "second": 1}
